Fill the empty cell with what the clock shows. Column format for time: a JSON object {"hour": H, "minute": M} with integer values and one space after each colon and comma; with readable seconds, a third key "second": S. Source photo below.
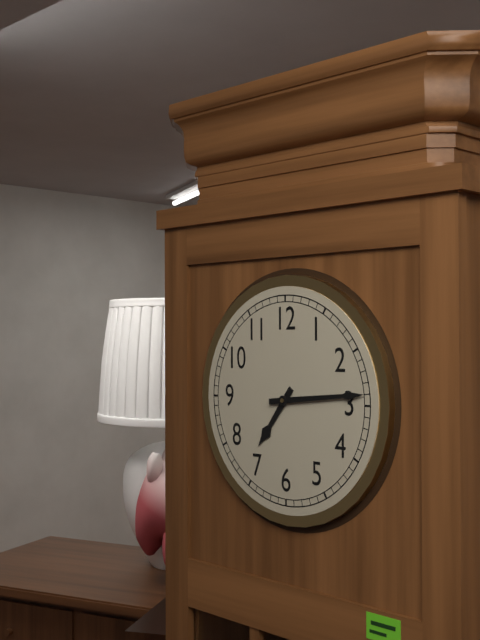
{"hour": 7, "minute": 14}
